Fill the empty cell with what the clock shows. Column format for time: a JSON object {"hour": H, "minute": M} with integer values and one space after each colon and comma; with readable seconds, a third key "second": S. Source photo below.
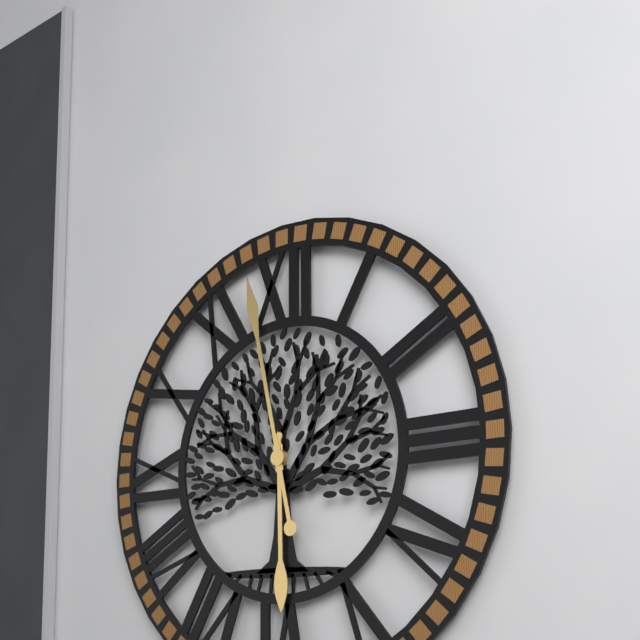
{"hour": 5, "minute": 58}
